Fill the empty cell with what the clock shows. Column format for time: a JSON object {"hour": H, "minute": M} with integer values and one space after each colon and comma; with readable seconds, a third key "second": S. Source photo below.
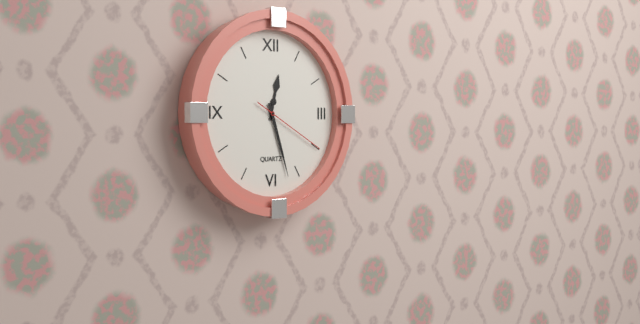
{"hour": 12, "minute": 27, "second": 20}
